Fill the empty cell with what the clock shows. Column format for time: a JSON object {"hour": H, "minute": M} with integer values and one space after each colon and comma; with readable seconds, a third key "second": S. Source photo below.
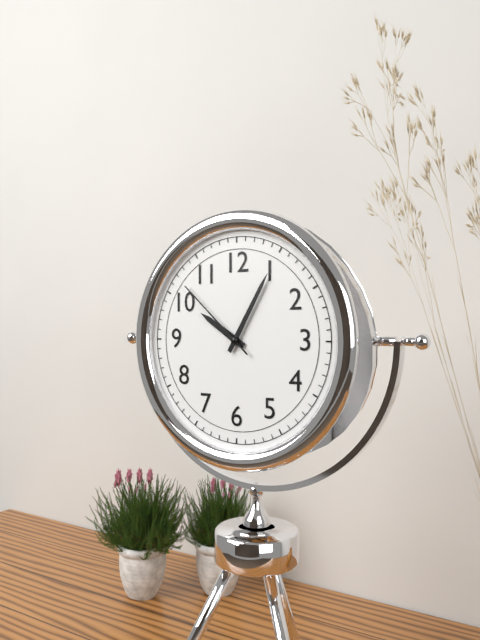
{"hour": 10, "minute": 5, "second": 52}
